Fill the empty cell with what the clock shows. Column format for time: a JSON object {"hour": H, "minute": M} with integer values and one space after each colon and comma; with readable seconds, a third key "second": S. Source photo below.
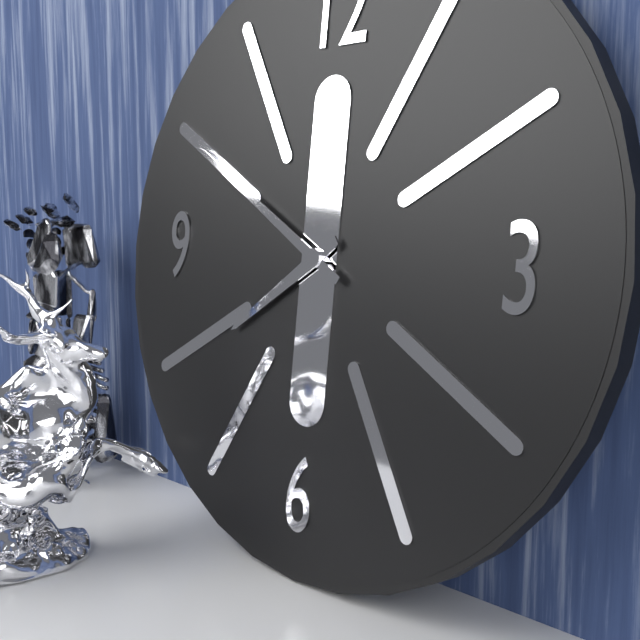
{"hour": 7, "minute": 50}
